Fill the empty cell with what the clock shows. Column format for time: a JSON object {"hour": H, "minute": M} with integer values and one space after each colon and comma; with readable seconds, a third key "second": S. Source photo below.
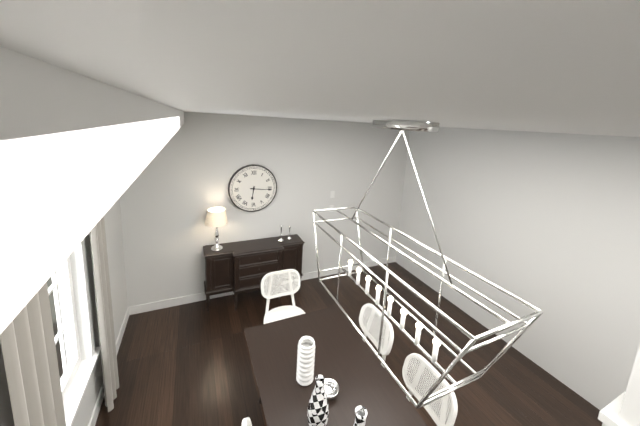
{"hour": 6, "minute": 16}
